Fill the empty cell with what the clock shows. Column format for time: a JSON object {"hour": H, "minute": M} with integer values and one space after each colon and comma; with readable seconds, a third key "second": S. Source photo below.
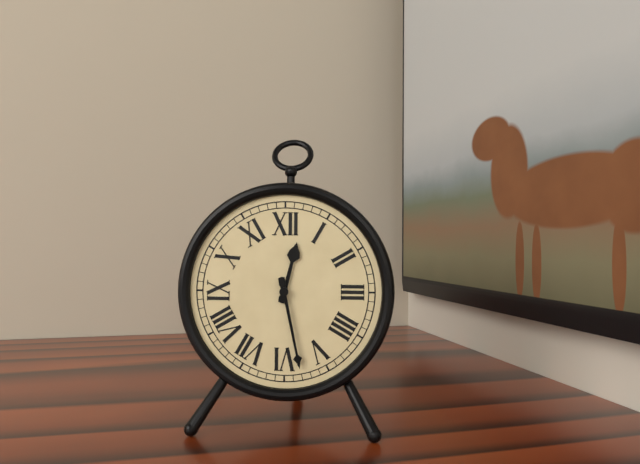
{"hour": 12, "minute": 28}
